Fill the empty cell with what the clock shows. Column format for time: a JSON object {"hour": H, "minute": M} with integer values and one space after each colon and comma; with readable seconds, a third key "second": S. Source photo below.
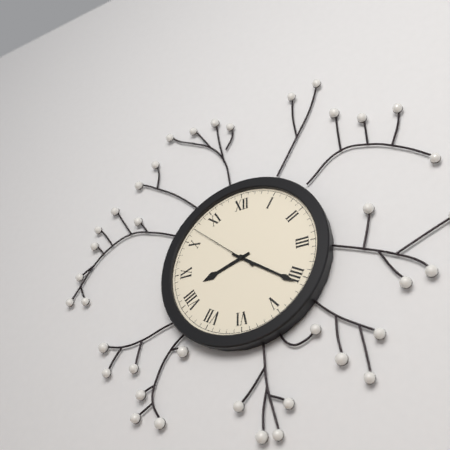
{"hour": 8, "minute": 21, "second": 52}
